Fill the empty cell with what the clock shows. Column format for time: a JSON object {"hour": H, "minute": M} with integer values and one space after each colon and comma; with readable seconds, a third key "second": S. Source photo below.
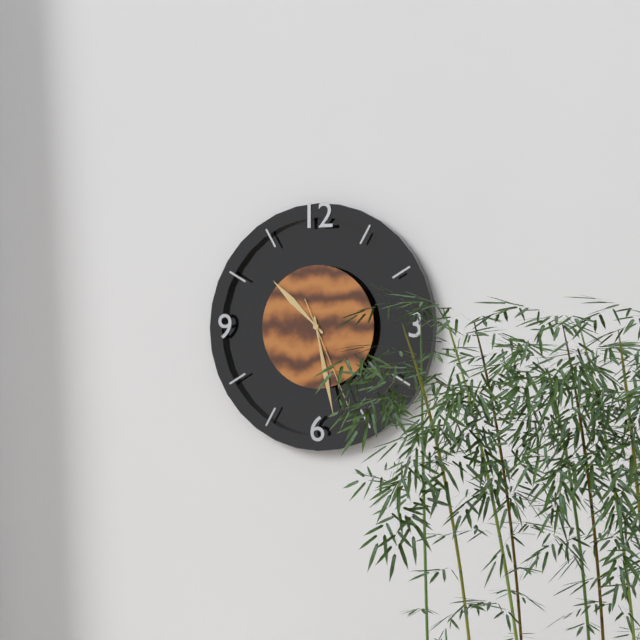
{"hour": 10, "minute": 28, "second": 26}
